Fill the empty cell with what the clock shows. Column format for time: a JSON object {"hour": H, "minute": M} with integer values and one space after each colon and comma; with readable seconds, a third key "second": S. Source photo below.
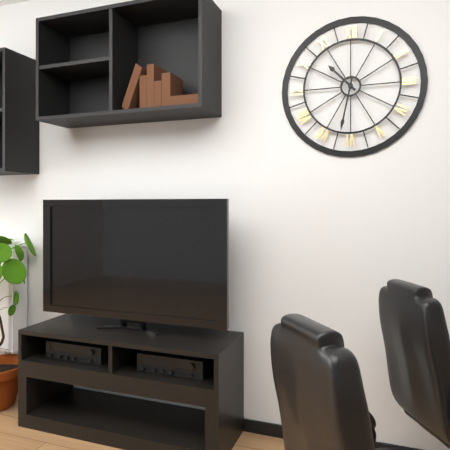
{"hour": 10, "minute": 32}
